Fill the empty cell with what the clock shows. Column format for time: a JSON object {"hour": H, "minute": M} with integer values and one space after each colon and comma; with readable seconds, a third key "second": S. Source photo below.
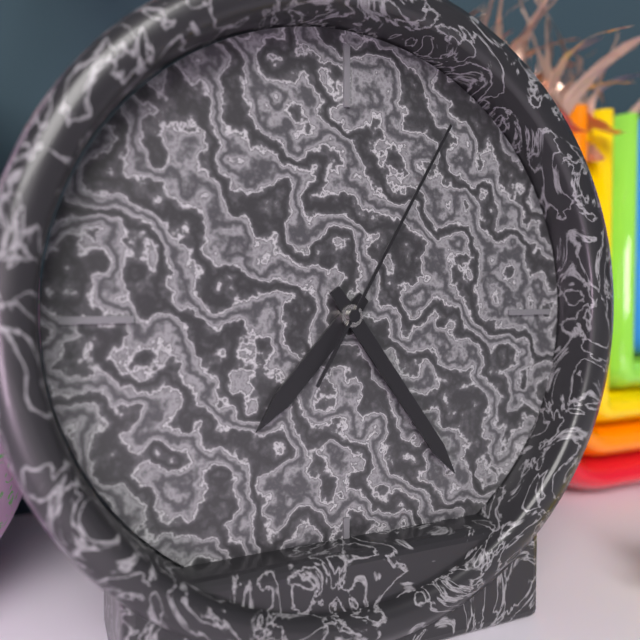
{"hour": 7, "minute": 24, "second": 5}
